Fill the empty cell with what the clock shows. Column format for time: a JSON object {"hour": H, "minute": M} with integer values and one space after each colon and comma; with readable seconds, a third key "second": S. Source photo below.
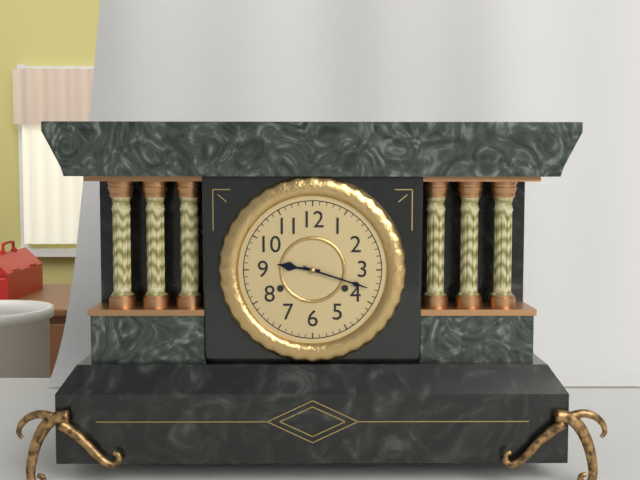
{"hour": 9, "minute": 18}
